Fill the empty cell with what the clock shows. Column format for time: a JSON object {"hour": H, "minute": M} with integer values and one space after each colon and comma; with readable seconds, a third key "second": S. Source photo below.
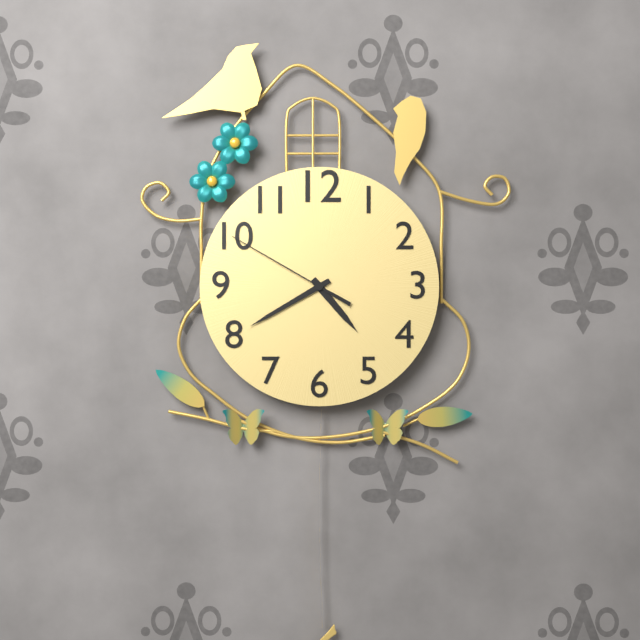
{"hour": 4, "minute": 40, "second": 50}
